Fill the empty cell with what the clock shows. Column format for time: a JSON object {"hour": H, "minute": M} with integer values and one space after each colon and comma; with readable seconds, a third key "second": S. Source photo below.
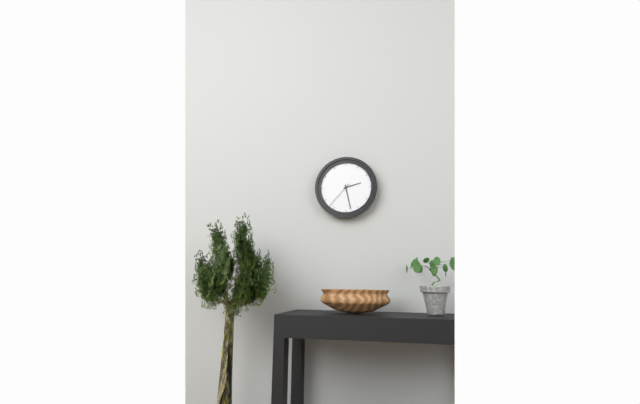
{"hour": 2, "minute": 28}
